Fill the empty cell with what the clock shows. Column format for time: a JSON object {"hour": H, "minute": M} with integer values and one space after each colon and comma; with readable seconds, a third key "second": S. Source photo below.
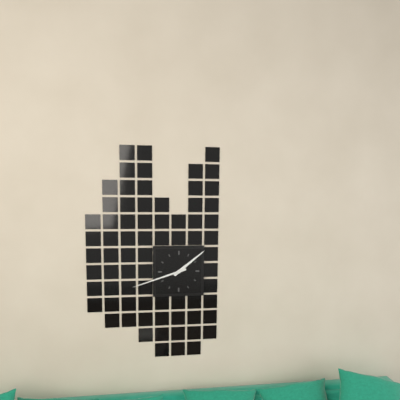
{"hour": 1, "minute": 42}
